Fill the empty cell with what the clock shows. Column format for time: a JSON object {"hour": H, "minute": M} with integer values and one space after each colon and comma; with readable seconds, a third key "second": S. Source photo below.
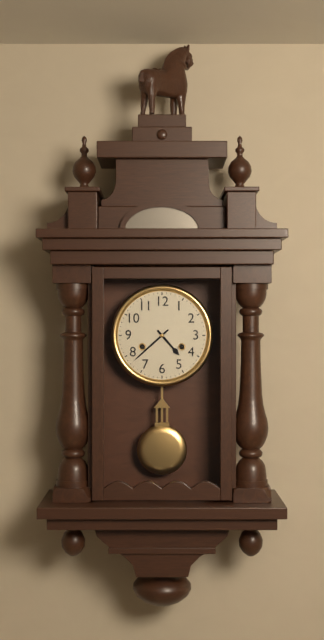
{"hour": 4, "minute": 38}
